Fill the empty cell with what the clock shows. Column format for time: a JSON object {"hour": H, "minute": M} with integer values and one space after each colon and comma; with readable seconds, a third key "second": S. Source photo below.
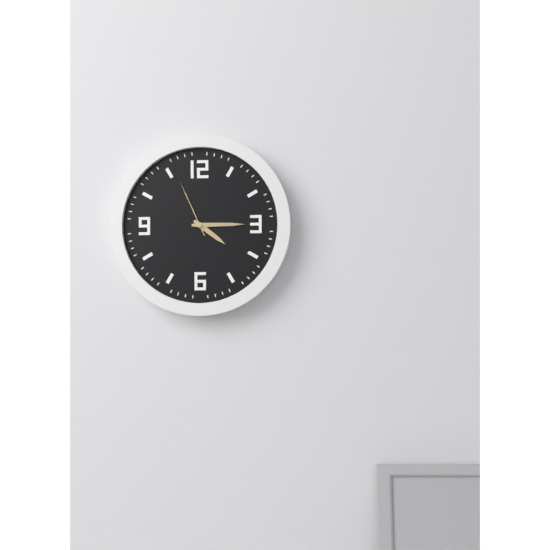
{"hour": 4, "minute": 15, "second": 56}
